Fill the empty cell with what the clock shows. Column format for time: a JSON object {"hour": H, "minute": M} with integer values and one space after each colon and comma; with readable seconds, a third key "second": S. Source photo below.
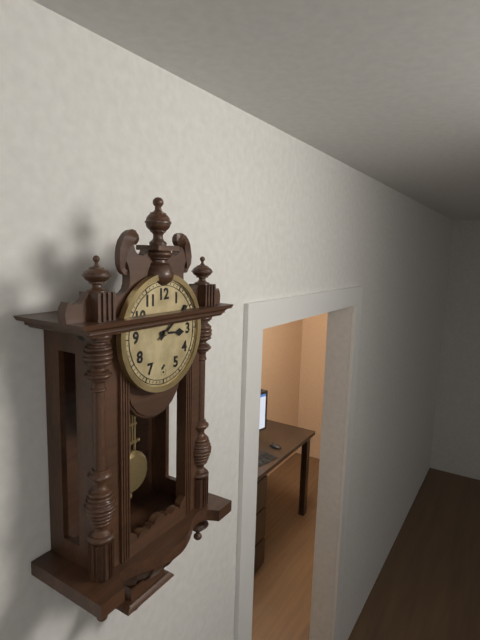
{"hour": 3, "minute": 9}
